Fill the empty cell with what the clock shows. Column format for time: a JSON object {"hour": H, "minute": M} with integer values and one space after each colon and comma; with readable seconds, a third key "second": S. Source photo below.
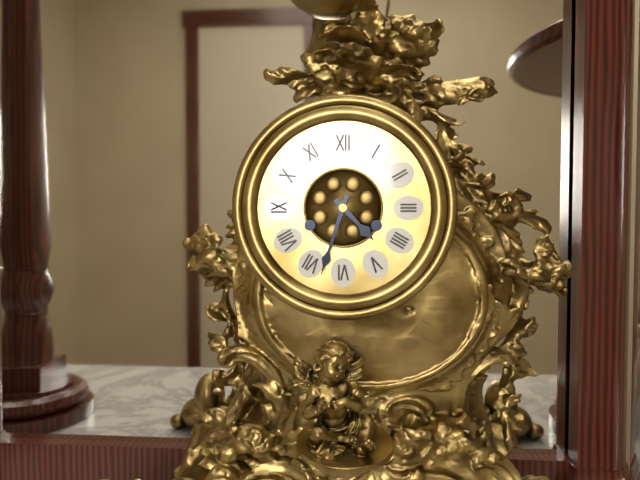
{"hour": 4, "minute": 33}
